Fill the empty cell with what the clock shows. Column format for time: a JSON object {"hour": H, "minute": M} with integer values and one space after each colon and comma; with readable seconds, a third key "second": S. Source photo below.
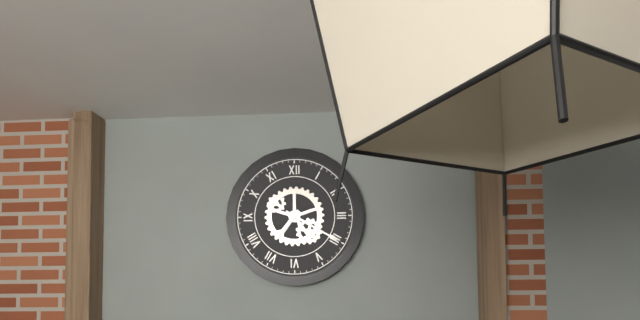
{"hour": 7, "minute": 20}
